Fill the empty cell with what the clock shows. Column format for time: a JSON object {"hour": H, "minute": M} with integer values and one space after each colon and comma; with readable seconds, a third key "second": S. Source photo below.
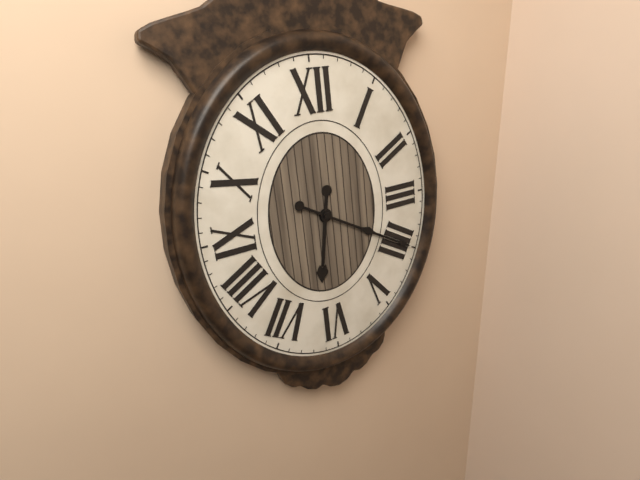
{"hour": 6, "minute": 20}
